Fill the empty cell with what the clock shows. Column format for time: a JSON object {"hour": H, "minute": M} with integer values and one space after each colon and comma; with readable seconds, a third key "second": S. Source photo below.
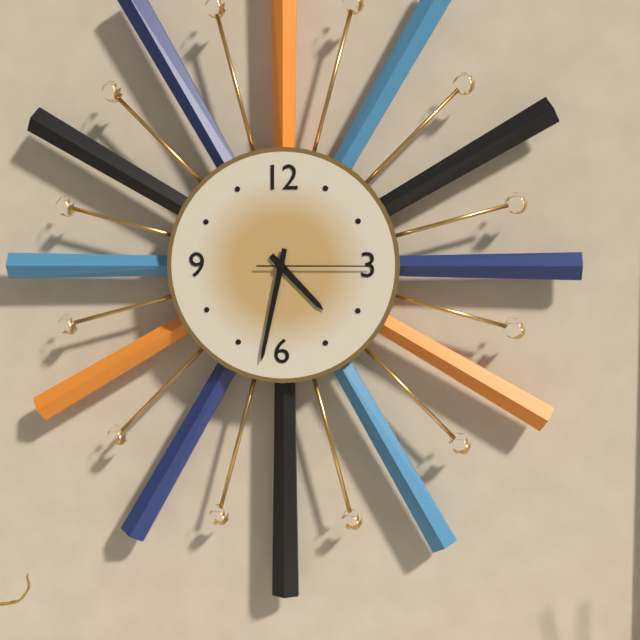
{"hour": 4, "minute": 32, "second": 15}
